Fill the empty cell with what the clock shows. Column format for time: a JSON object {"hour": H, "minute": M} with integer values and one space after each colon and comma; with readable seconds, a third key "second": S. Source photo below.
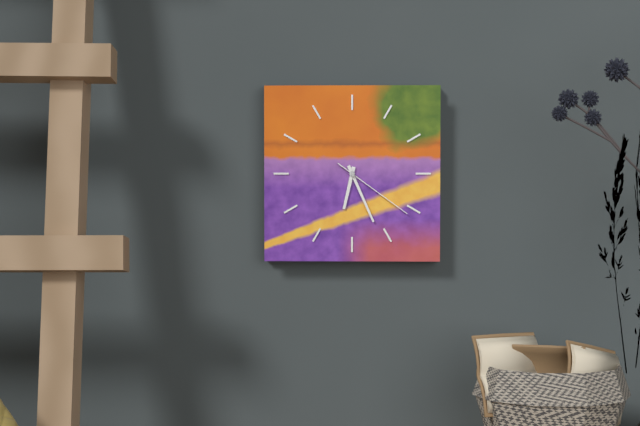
{"hour": 6, "minute": 26, "second": 21}
